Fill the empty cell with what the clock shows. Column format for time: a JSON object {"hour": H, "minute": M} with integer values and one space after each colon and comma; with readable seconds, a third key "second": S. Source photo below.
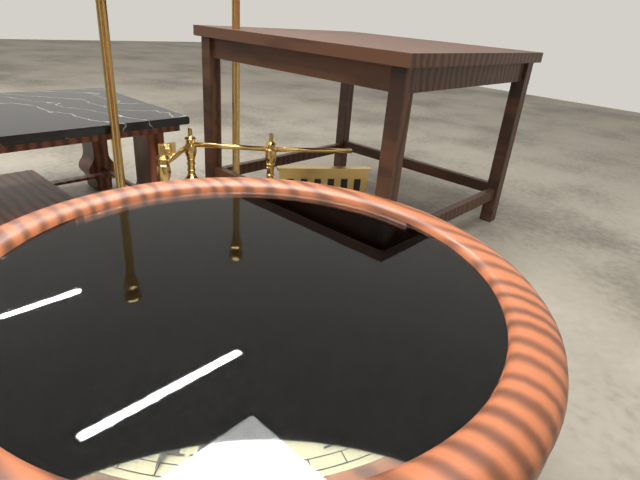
{"hour": 9, "minute": 41}
